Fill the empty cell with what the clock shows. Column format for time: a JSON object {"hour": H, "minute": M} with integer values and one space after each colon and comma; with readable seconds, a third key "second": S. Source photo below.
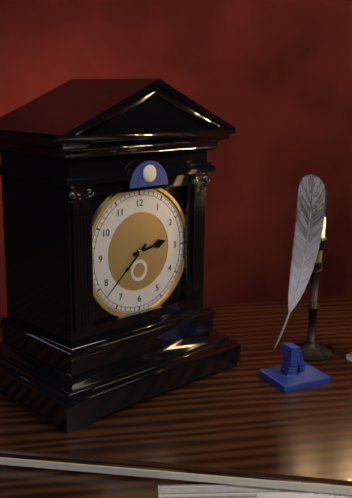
{"hour": 2, "minute": 38}
